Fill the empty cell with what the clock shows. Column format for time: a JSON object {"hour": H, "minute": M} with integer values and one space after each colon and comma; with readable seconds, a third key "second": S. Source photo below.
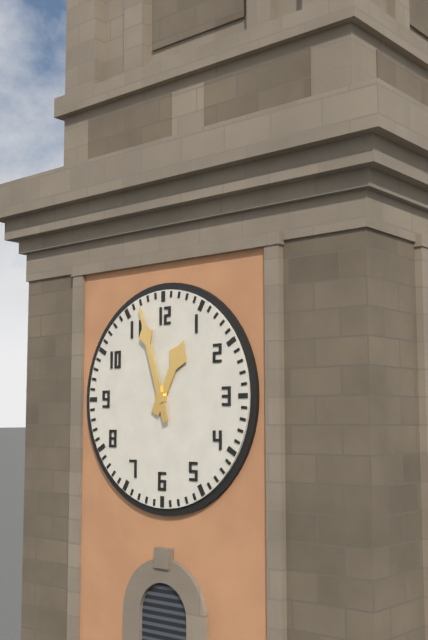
{"hour": 12, "minute": 57}
